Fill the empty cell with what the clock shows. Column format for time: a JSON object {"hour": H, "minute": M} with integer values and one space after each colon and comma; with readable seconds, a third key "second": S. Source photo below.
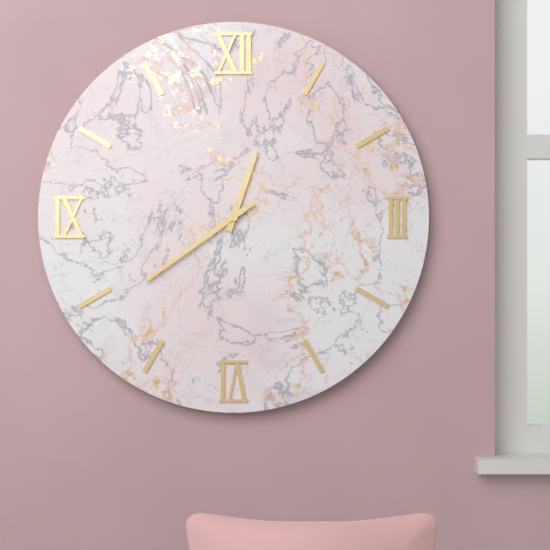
{"hour": 12, "minute": 39}
